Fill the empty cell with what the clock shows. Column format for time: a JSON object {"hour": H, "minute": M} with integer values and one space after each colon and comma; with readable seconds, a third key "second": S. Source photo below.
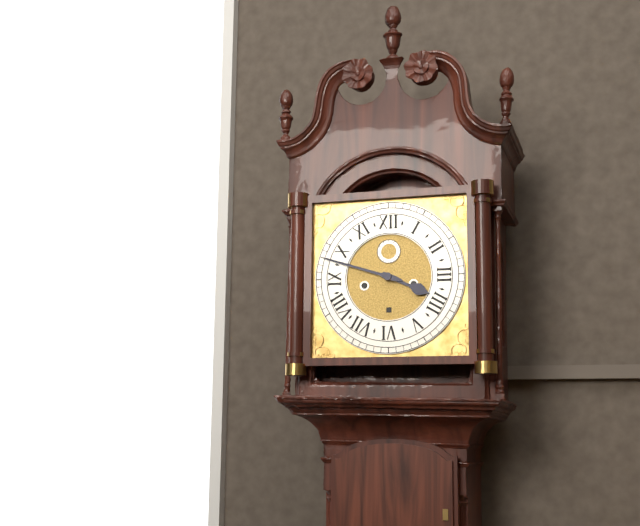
{"hour": 3, "minute": 48}
